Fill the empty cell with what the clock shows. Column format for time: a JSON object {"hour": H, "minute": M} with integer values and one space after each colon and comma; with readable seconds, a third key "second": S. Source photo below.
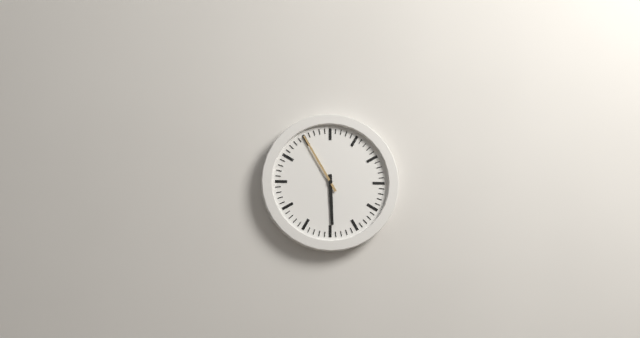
{"hour": 5, "minute": 55}
